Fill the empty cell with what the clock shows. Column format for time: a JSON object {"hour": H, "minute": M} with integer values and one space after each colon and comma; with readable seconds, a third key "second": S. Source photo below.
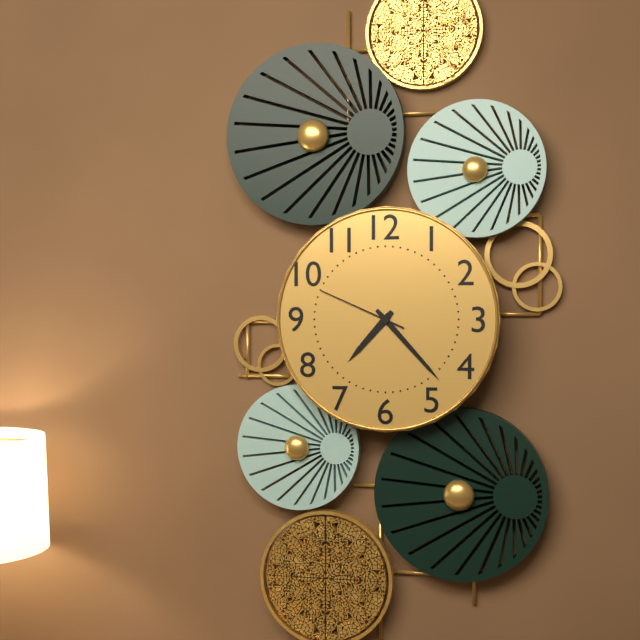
{"hour": 7, "minute": 23, "second": 49}
